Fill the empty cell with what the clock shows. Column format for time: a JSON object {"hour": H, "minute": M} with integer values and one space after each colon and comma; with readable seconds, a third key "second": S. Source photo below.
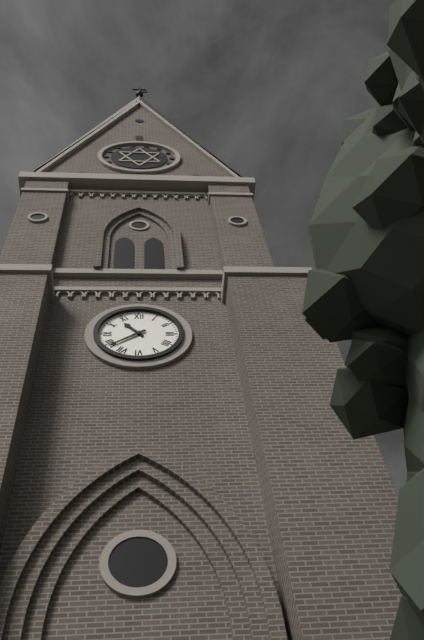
{"hour": 10, "minute": 39}
